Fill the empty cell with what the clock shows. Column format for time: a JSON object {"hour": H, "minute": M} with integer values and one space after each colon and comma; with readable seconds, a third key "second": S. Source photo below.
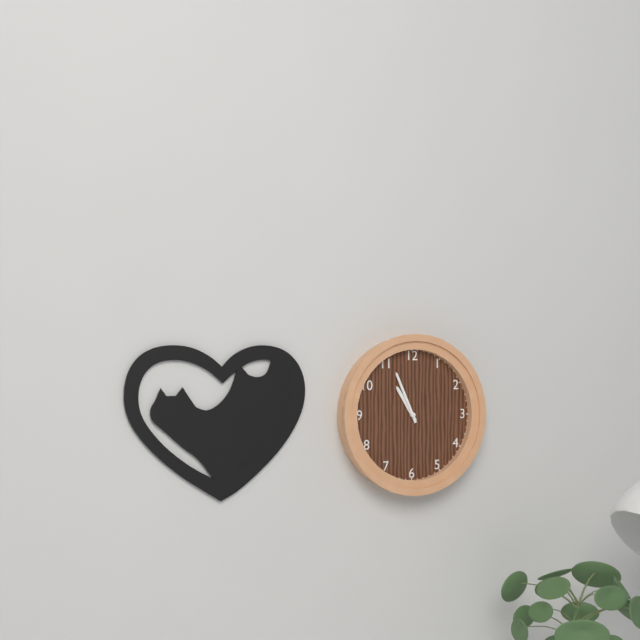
{"hour": 10, "minute": 56}
